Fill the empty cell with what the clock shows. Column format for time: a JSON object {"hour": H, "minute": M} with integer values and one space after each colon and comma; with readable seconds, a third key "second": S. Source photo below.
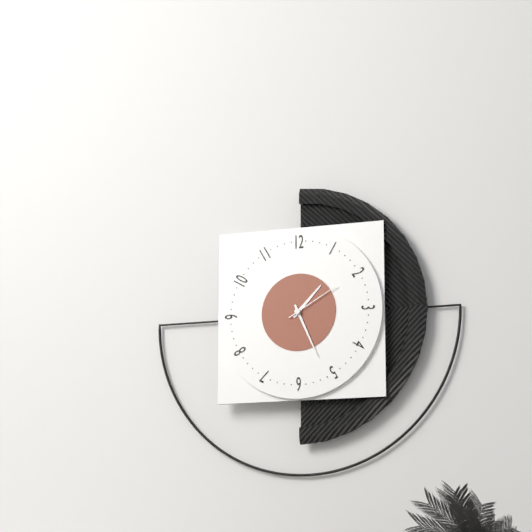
{"hour": 1, "minute": 26, "second": 10}
